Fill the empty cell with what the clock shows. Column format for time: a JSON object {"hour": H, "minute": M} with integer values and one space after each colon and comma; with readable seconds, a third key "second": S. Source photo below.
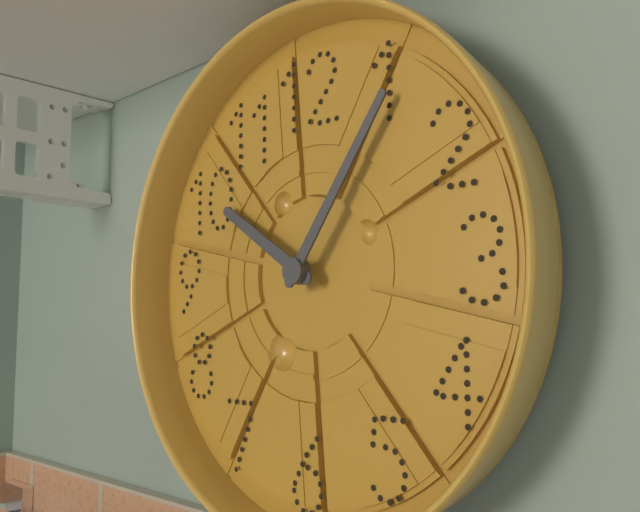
{"hour": 10, "minute": 6}
